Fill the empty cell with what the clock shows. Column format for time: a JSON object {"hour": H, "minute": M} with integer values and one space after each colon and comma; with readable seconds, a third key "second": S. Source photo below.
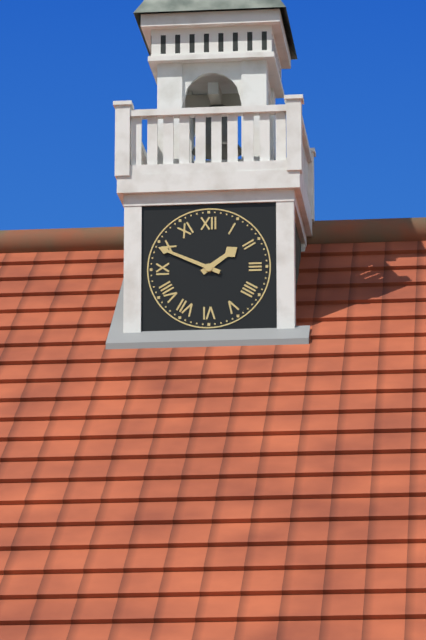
{"hour": 1, "minute": 49}
